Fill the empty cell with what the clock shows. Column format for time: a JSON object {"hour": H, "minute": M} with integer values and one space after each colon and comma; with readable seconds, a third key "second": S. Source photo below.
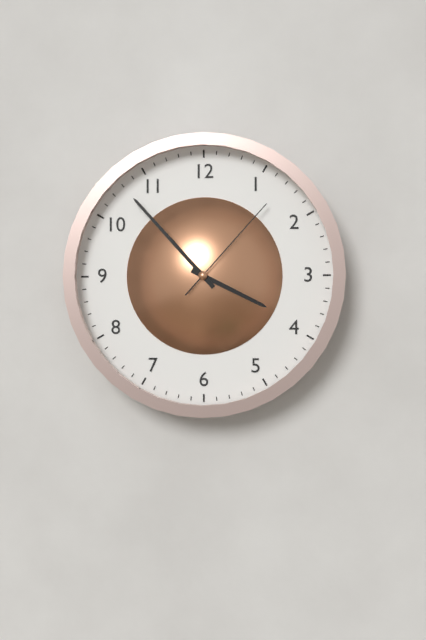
{"hour": 3, "minute": 53, "second": 7}
